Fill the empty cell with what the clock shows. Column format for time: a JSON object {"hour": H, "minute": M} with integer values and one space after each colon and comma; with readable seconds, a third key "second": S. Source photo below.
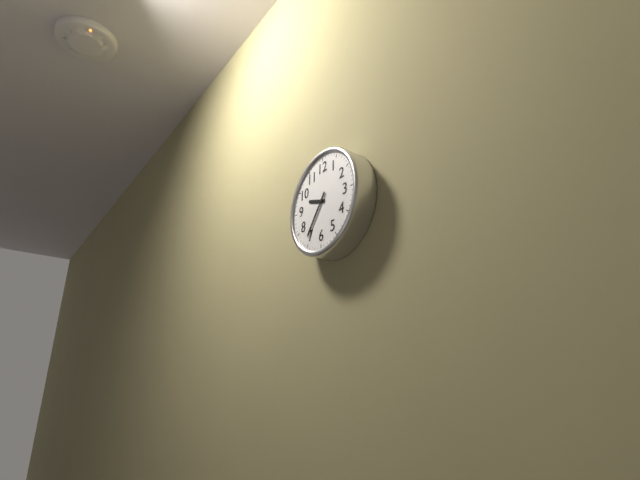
{"hour": 9, "minute": 36}
